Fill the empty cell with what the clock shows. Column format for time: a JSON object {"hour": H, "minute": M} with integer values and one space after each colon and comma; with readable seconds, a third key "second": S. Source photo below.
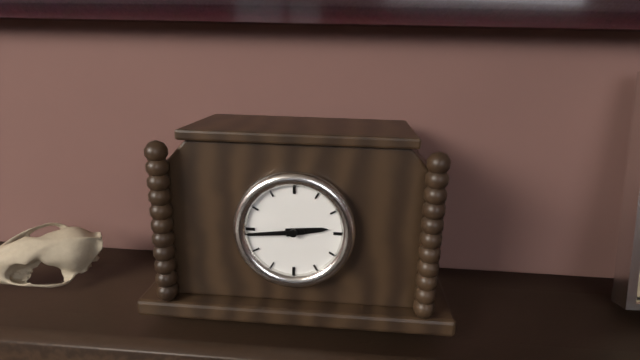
{"hour": 2, "minute": 44}
